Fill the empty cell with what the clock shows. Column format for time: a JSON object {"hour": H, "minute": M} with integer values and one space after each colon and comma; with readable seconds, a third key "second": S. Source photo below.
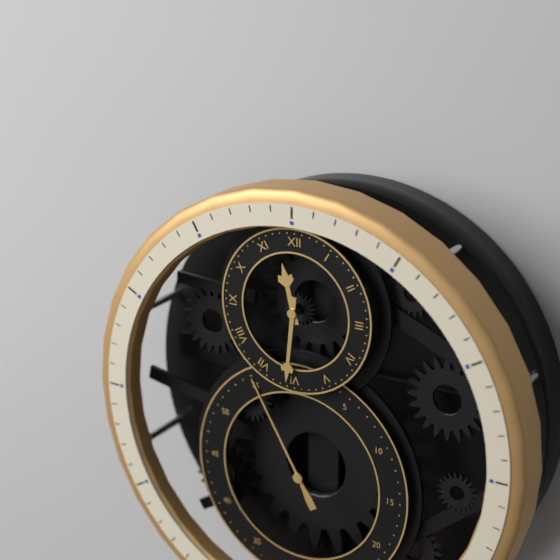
{"hour": 11, "minute": 31, "second": 55}
